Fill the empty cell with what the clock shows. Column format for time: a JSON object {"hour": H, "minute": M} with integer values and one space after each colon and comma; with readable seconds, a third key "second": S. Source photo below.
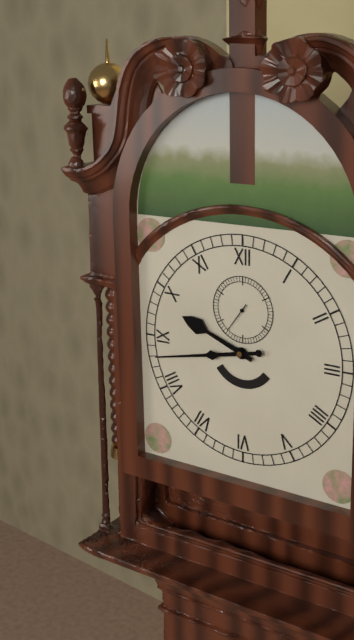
{"hour": 9, "minute": 43}
